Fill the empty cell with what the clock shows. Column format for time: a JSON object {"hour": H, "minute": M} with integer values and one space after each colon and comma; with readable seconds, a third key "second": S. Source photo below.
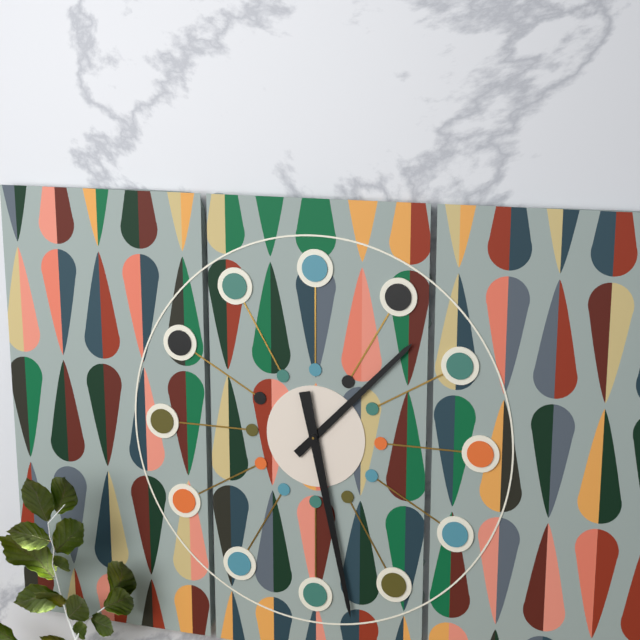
{"hour": 1, "minute": 28}
